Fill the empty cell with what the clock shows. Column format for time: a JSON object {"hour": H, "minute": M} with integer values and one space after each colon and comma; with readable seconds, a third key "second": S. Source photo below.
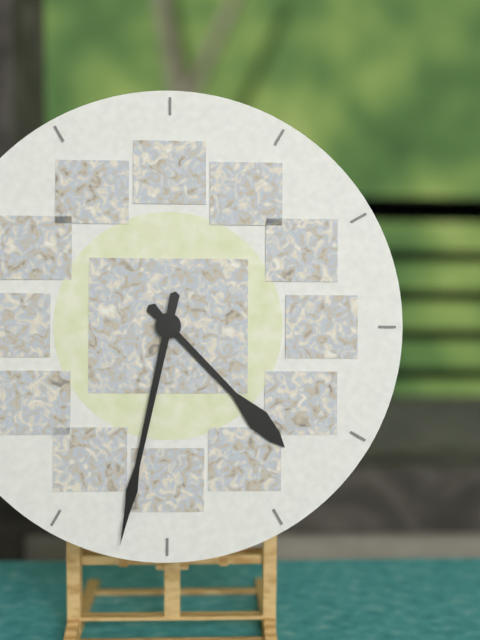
{"hour": 4, "minute": 32}
